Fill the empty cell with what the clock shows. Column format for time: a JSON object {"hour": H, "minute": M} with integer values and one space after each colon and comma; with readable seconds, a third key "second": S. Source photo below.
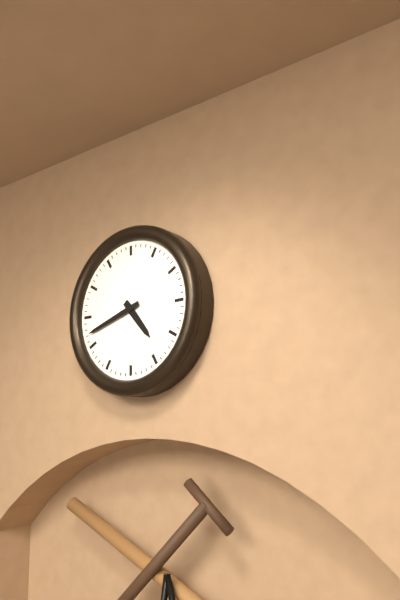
{"hour": 4, "minute": 42}
